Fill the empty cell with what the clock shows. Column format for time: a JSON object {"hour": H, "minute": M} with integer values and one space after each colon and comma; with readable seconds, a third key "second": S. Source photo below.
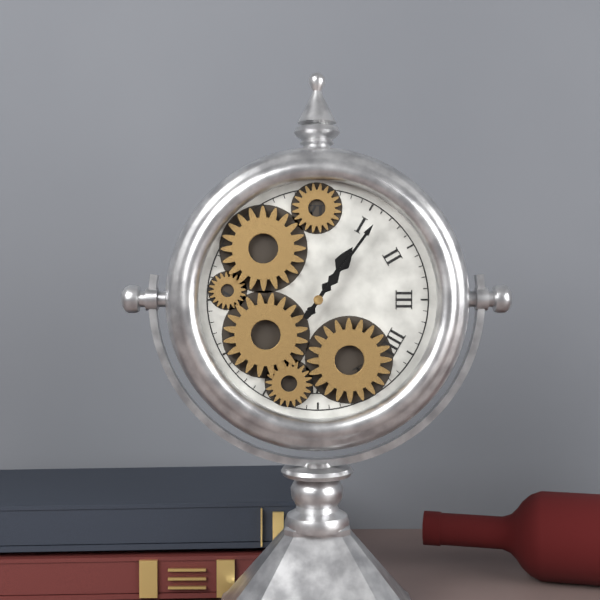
{"hour": 1, "minute": 6}
